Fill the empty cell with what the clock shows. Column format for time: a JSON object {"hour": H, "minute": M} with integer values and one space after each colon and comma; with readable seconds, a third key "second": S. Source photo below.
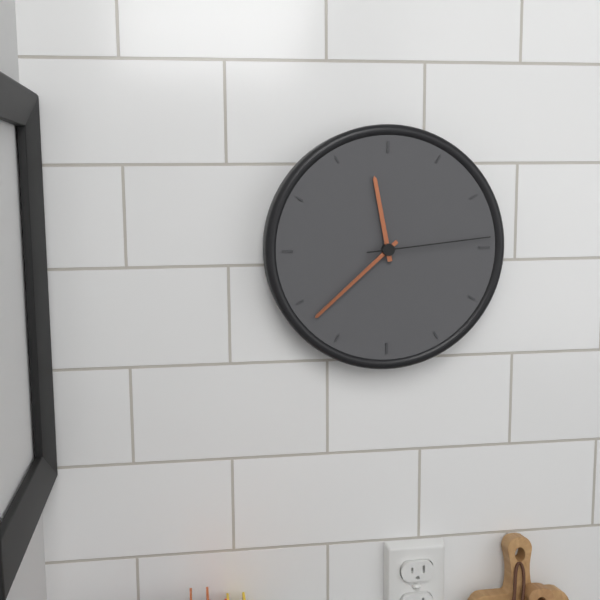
{"hour": 11, "minute": 38, "second": 14}
